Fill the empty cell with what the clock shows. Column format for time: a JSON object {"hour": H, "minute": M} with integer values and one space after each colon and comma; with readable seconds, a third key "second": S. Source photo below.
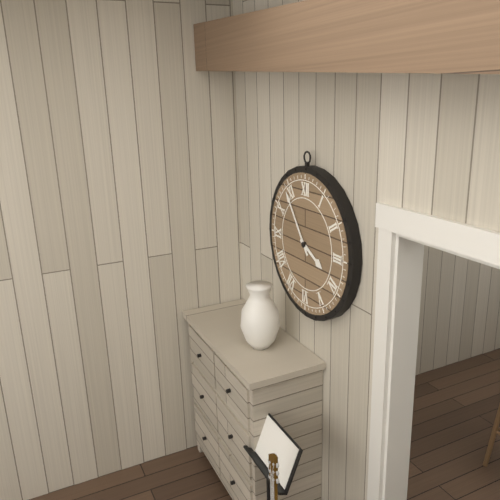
{"hour": 3, "minute": 54}
